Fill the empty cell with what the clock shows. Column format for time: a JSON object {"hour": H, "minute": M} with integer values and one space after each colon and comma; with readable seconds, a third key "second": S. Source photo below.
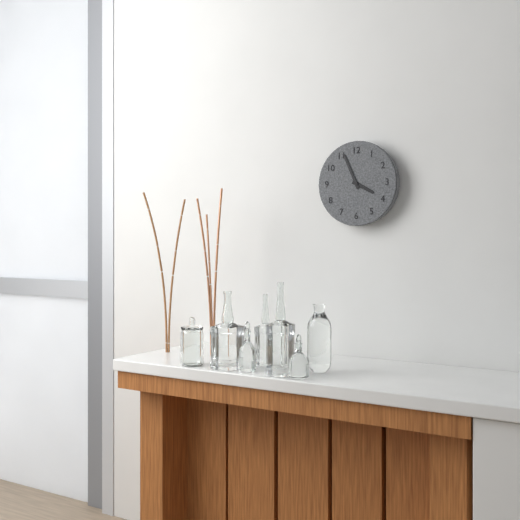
{"hour": 3, "minute": 56}
